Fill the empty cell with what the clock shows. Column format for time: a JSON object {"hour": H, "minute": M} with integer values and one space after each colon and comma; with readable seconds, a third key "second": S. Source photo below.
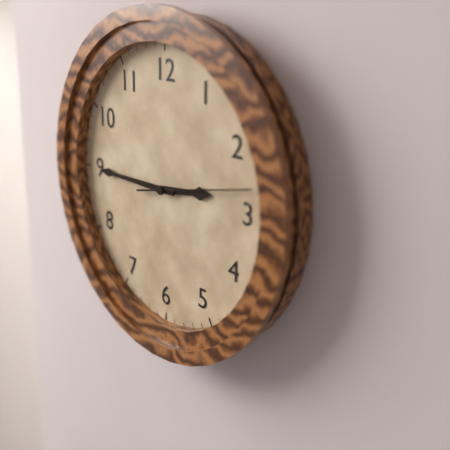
{"hour": 2, "minute": 45, "second": 13}
